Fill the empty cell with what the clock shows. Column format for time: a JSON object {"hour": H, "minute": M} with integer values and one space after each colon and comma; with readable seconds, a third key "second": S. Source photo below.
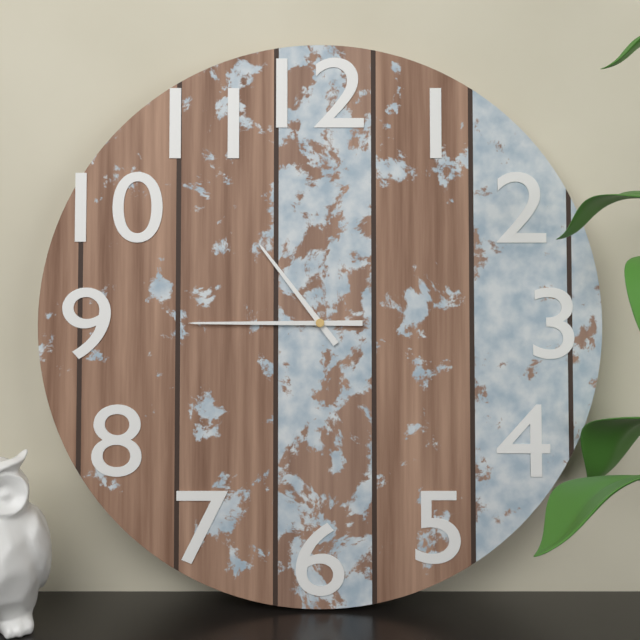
{"hour": 10, "minute": 45}
